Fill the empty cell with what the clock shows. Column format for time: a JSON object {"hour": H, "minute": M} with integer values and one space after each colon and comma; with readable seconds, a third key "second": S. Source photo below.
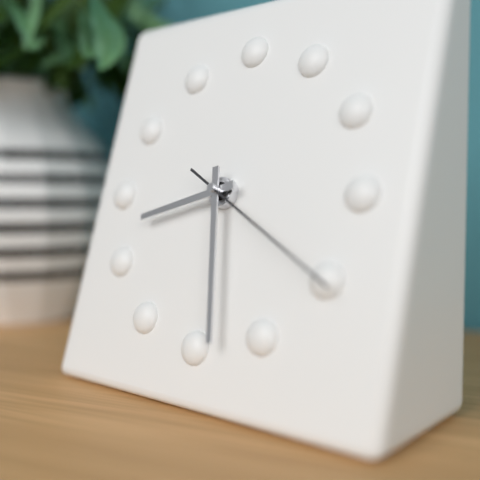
{"hour": 8, "minute": 28, "second": 20}
